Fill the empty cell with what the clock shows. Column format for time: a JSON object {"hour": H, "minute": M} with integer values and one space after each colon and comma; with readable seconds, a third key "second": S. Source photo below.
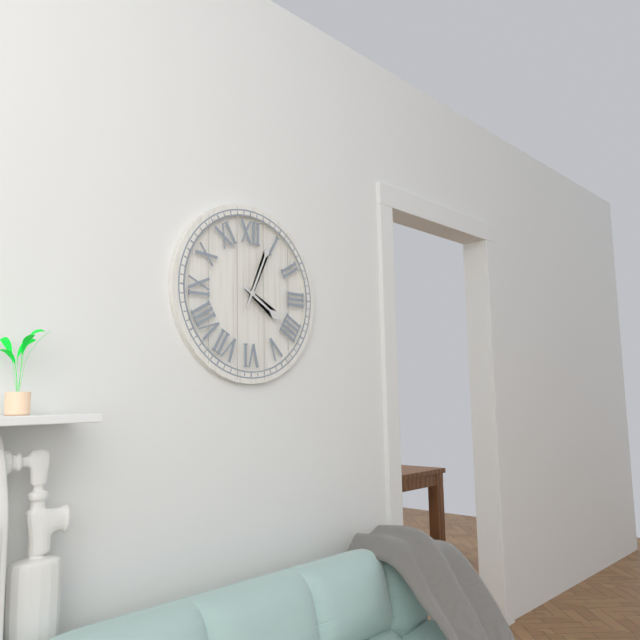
{"hour": 4, "minute": 4}
